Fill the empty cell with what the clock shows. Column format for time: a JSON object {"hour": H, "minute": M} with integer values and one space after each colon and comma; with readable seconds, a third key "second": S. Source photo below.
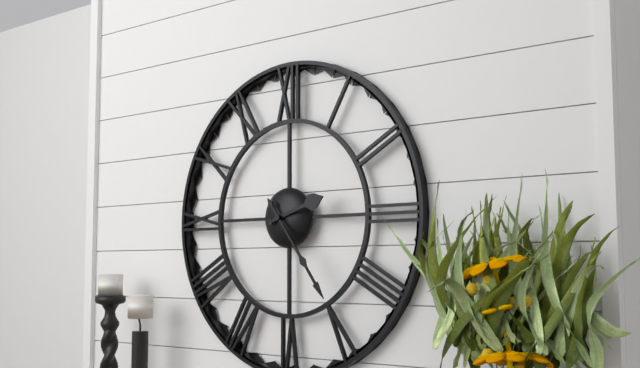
{"hour": 2, "minute": 24}
